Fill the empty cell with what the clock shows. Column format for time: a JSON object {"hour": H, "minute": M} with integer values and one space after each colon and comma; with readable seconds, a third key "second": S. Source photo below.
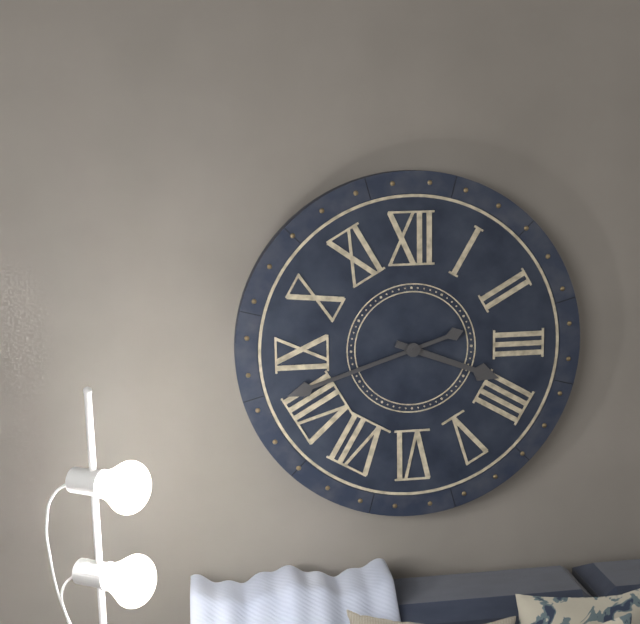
{"hour": 3, "minute": 42}
